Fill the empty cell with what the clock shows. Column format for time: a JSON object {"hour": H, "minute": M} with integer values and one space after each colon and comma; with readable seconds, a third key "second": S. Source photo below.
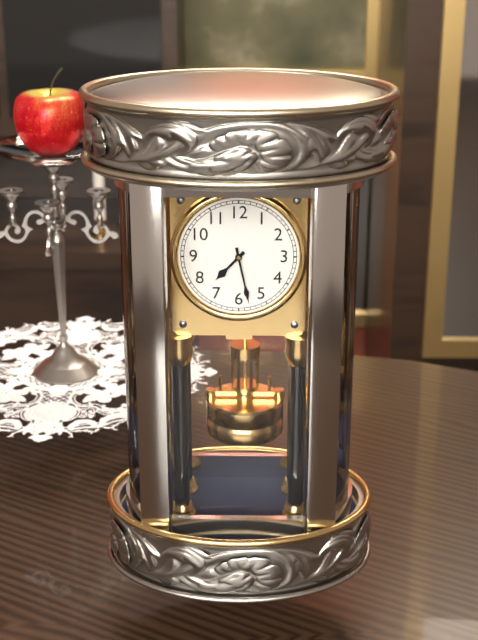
{"hour": 7, "minute": 28}
